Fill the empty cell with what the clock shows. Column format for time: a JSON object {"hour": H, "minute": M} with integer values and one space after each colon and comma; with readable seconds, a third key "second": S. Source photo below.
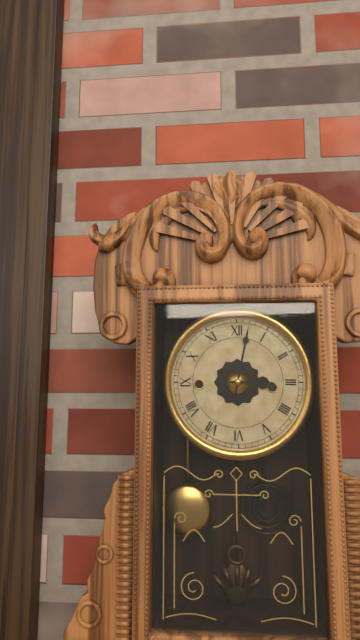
{"hour": 3, "minute": 2}
